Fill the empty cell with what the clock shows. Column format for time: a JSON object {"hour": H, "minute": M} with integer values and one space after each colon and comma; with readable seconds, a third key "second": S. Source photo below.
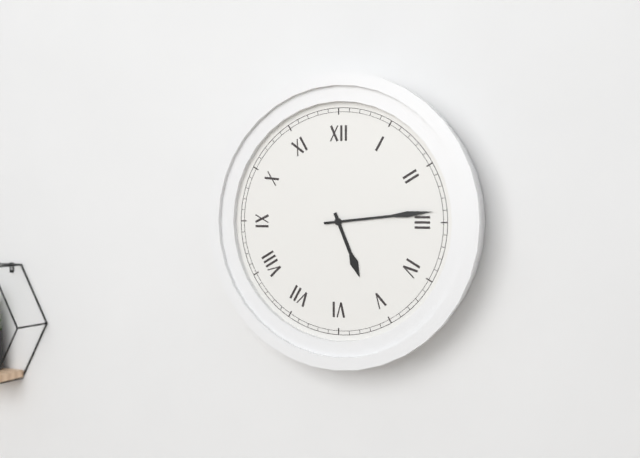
{"hour": 5, "minute": 14}
